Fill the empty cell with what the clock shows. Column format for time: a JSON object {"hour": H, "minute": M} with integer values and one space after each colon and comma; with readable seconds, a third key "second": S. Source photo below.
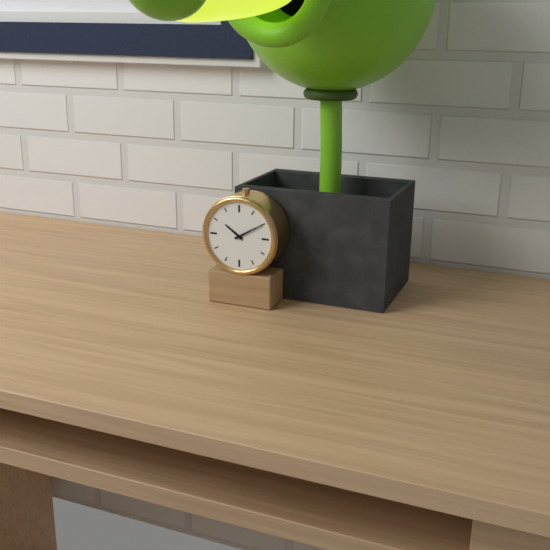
{"hour": 10, "minute": 10}
